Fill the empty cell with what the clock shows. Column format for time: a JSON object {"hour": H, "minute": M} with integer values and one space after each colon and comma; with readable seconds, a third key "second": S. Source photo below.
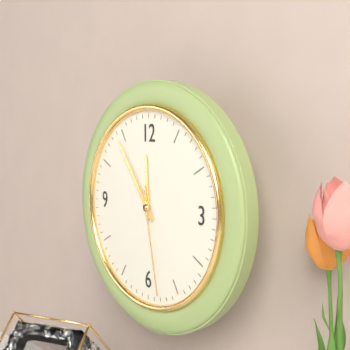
{"hour": 11, "minute": 54, "second": 28}
